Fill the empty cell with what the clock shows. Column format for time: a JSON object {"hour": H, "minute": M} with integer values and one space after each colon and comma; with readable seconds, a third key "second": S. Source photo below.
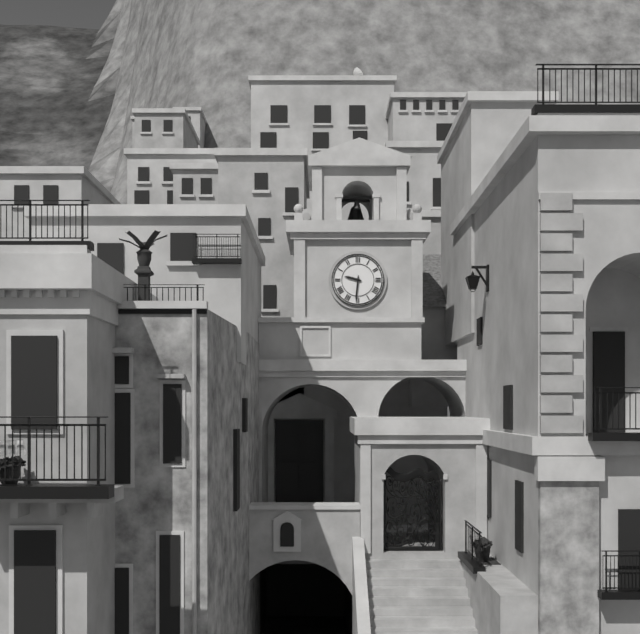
{"hour": 9, "minute": 31}
